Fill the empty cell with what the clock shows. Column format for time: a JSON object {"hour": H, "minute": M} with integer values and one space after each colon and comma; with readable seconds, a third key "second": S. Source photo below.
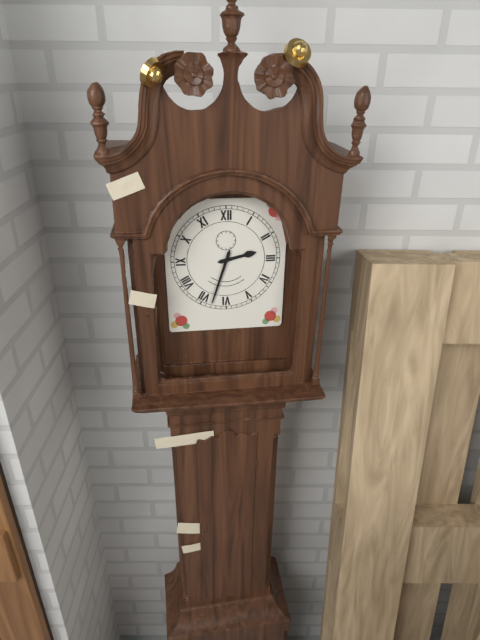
{"hour": 2, "minute": 33}
